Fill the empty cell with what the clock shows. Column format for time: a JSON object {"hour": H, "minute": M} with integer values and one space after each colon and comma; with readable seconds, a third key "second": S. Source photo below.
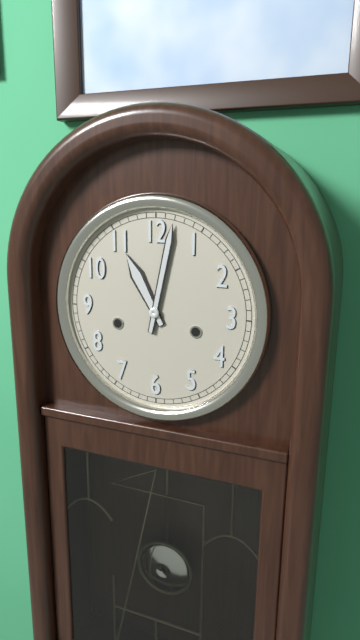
{"hour": 11, "minute": 2}
